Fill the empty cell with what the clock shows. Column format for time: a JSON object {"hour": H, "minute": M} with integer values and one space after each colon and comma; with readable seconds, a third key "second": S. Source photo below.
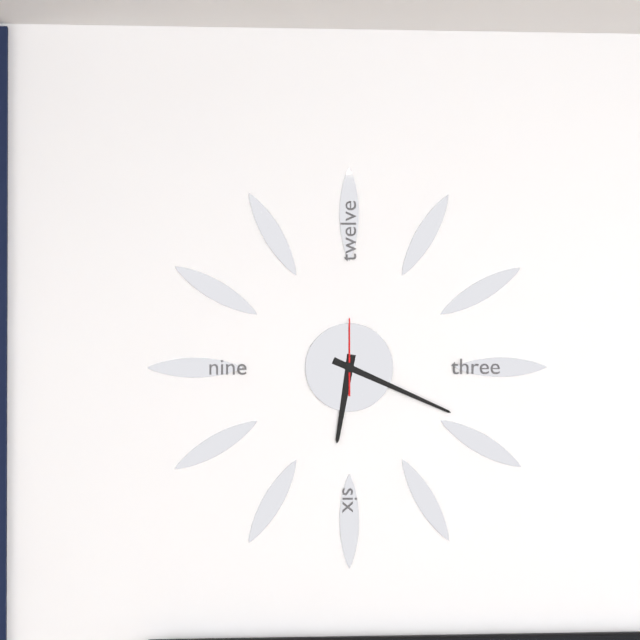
{"hour": 6, "minute": 19, "second": 0}
